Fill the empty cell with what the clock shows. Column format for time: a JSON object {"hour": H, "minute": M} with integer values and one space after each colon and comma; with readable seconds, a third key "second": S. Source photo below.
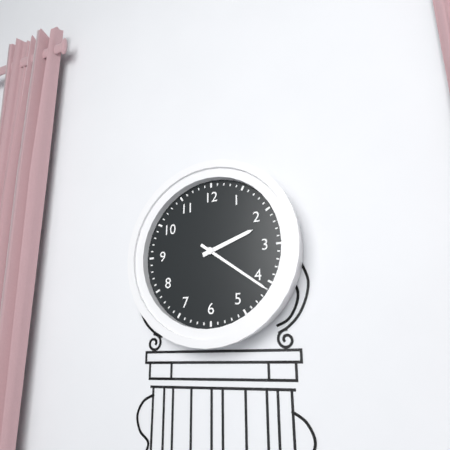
{"hour": 2, "minute": 21}
